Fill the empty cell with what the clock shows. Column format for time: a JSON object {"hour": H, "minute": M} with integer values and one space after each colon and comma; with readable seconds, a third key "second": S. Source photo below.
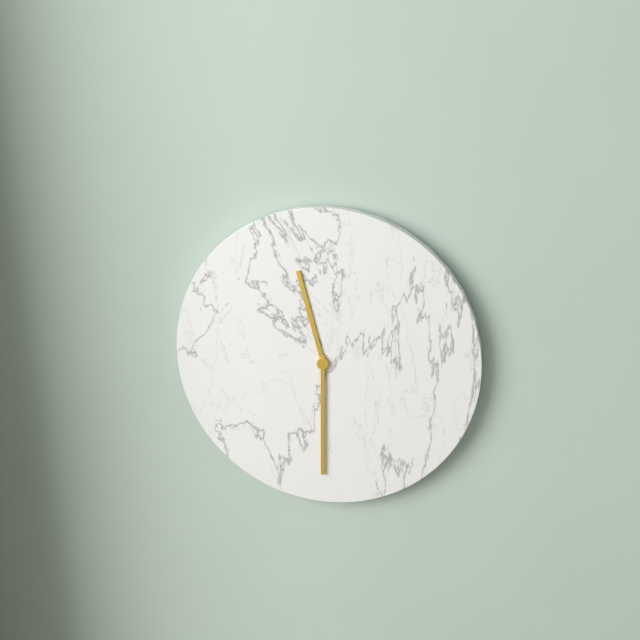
{"hour": 11, "minute": 30}
